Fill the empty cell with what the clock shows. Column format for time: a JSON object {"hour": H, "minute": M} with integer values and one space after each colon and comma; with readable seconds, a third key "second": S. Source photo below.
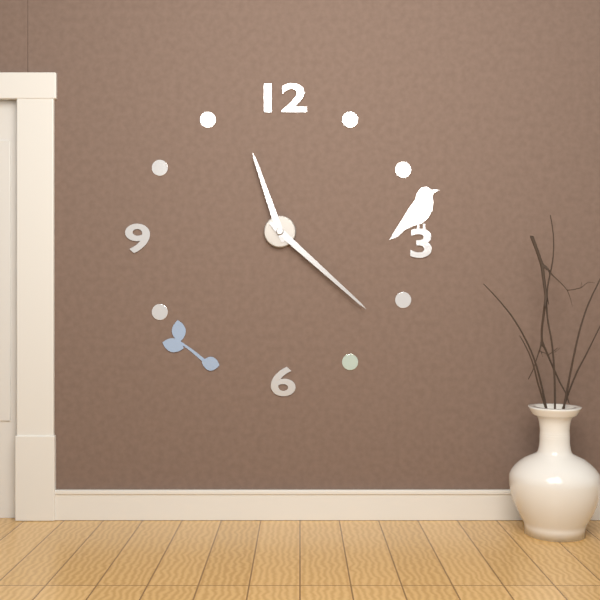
{"hour": 11, "minute": 22}
